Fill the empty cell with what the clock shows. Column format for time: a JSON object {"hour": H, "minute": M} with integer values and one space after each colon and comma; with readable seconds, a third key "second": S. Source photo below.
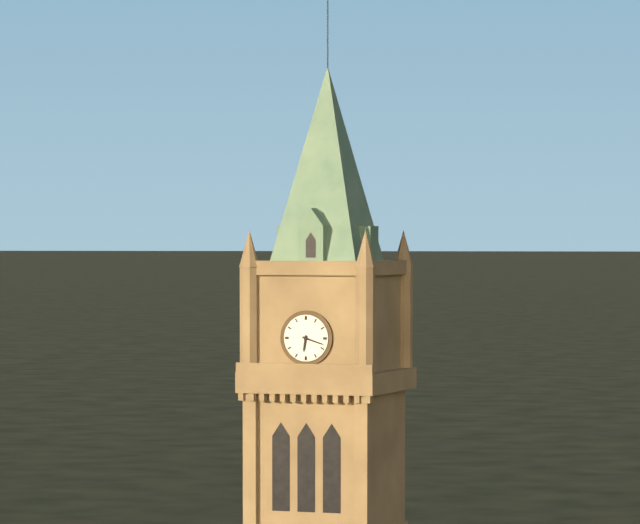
{"hour": 6, "minute": 18}
